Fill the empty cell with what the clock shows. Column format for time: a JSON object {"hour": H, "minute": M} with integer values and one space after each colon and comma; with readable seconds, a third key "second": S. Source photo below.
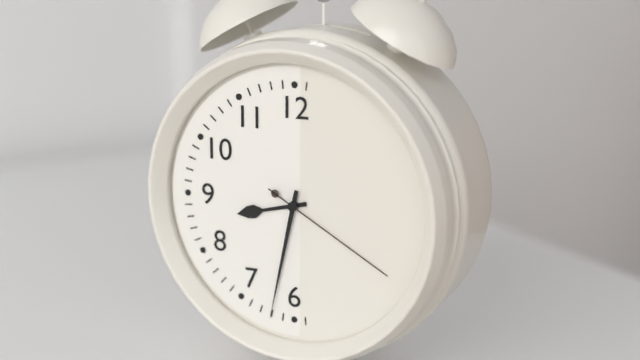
{"hour": 8, "minute": 32, "second": 20}
